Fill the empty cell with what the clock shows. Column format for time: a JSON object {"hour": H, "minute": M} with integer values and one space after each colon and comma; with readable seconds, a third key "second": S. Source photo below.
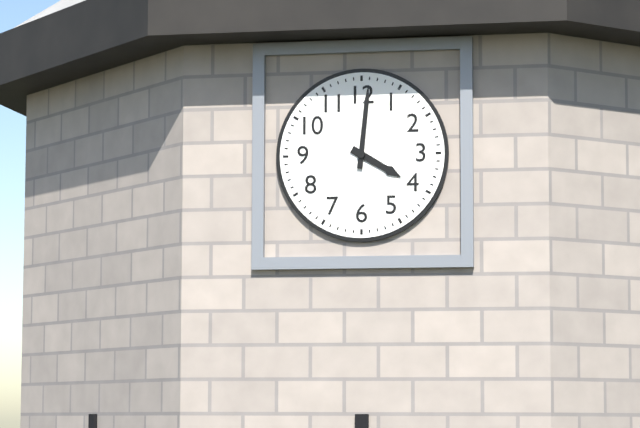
{"hour": 4, "minute": 1}
